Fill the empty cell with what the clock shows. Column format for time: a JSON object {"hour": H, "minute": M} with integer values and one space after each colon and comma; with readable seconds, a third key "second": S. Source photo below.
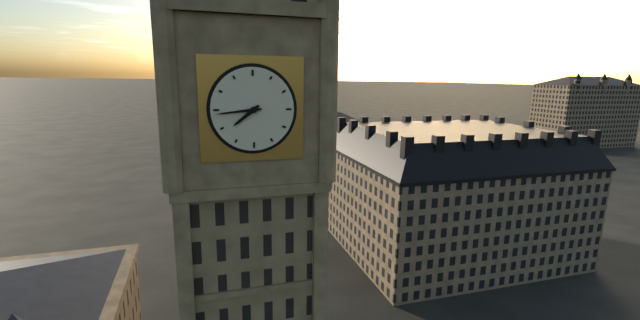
{"hour": 7, "minute": 44}
